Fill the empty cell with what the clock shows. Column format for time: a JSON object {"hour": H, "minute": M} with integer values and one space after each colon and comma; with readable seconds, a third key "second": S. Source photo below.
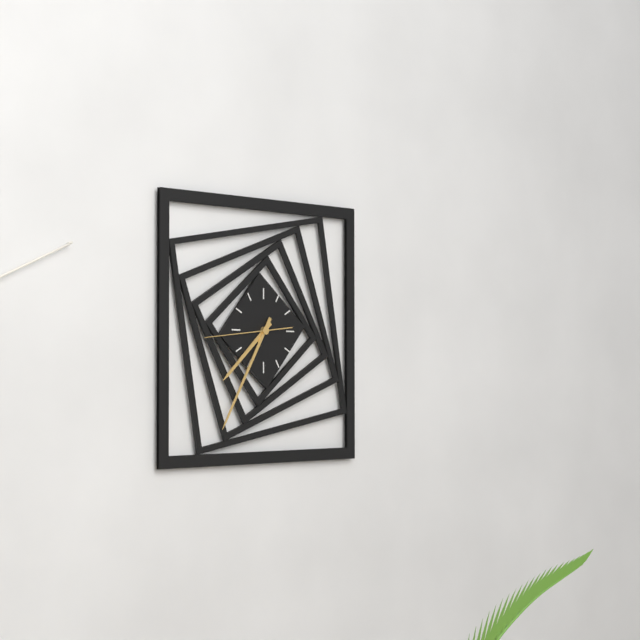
{"hour": 7, "minute": 35, "second": 44}
